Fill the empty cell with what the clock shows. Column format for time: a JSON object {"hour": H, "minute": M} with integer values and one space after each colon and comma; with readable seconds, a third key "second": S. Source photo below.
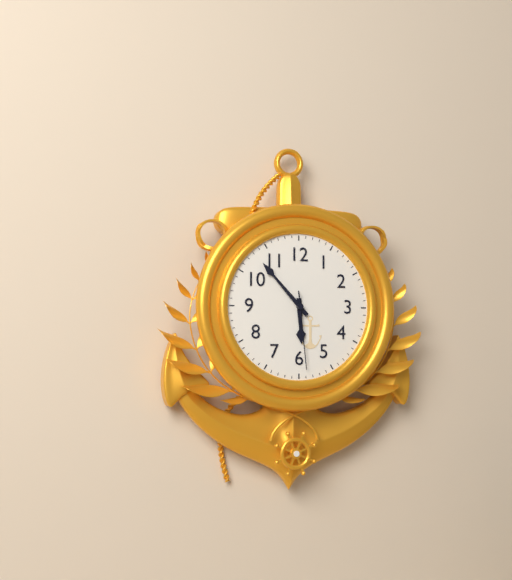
{"hour": 5, "minute": 53, "second": 29}
